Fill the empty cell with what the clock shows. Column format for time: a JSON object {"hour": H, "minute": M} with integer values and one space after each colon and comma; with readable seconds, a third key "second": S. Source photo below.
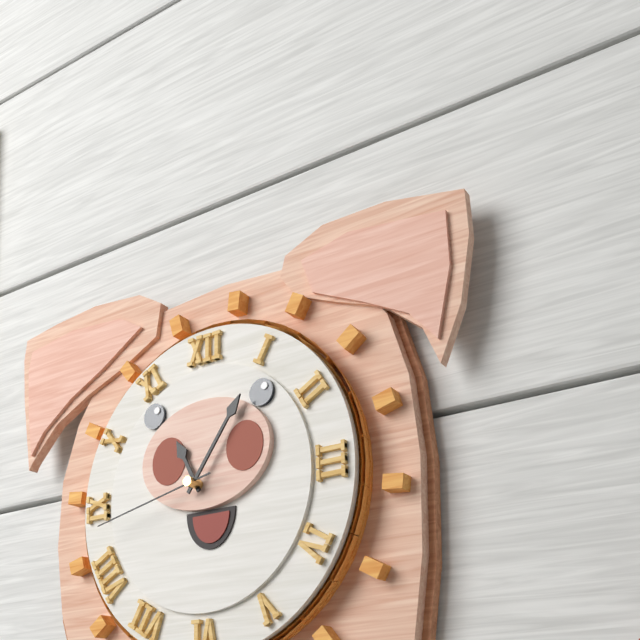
{"hour": 11, "minute": 6, "second": 43}
